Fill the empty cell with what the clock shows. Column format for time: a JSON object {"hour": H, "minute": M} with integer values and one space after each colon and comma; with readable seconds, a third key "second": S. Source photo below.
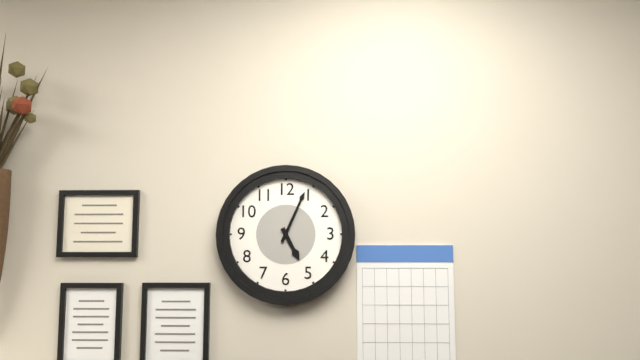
{"hour": 5, "minute": 4}
